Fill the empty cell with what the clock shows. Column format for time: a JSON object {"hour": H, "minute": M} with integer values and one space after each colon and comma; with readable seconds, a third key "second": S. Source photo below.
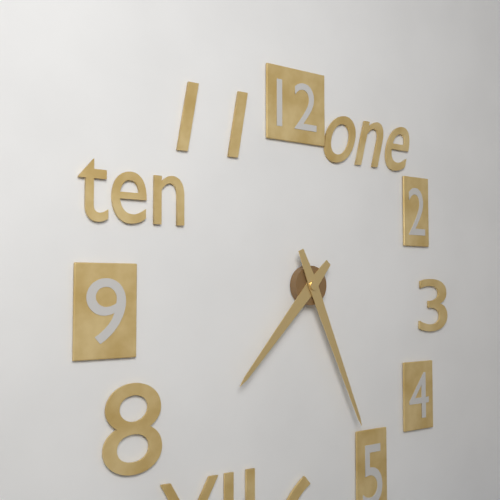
{"hour": 7, "minute": 26}
